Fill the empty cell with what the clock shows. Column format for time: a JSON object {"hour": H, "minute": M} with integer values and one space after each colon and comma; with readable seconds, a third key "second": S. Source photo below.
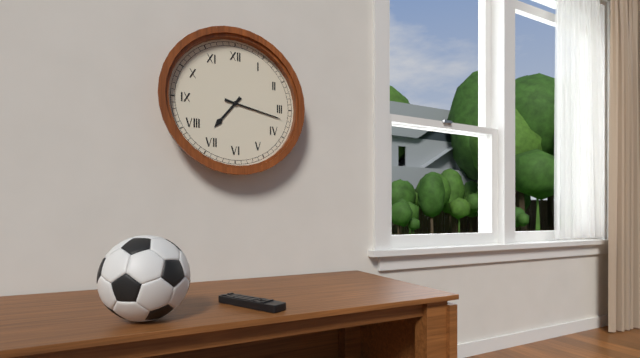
{"hour": 7, "minute": 17}
